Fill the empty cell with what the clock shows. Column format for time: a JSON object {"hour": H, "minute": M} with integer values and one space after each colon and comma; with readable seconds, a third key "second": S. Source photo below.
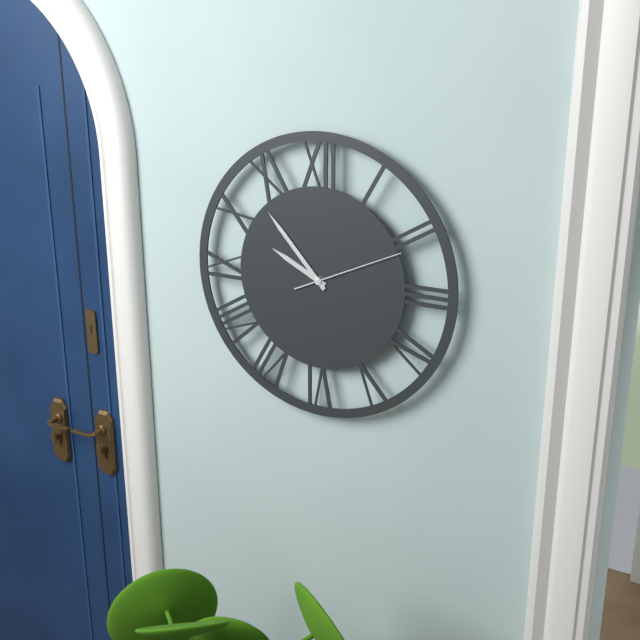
{"hour": 9, "minute": 53, "second": 11}
